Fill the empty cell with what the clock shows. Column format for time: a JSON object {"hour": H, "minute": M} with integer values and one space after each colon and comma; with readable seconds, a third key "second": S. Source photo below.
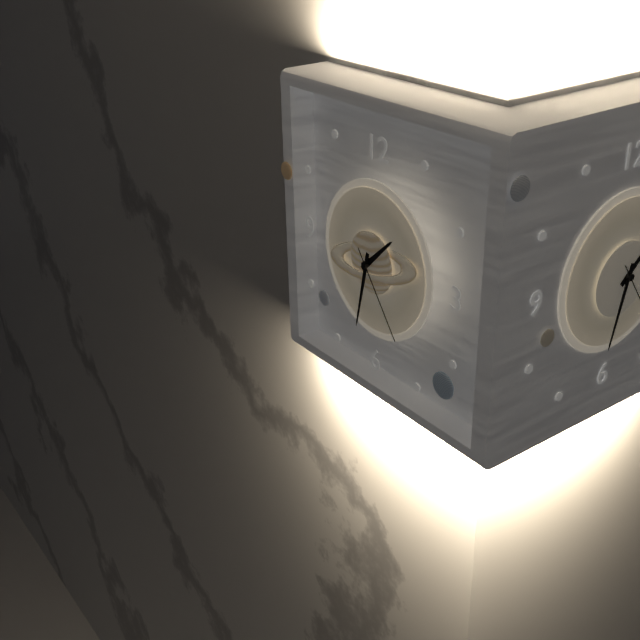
{"hour": 1, "minute": 32, "second": 24}
